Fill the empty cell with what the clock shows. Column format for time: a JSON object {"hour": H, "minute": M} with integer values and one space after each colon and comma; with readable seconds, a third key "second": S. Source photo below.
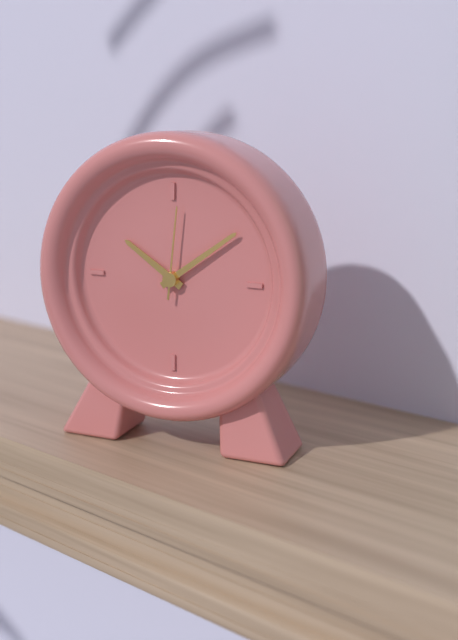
{"hour": 10, "minute": 9, "second": 1}
